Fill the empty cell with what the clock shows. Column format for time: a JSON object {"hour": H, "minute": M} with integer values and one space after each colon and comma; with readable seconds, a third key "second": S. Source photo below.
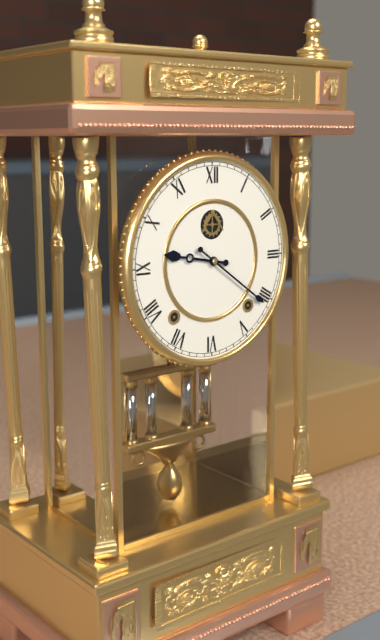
{"hour": 9, "minute": 21}
